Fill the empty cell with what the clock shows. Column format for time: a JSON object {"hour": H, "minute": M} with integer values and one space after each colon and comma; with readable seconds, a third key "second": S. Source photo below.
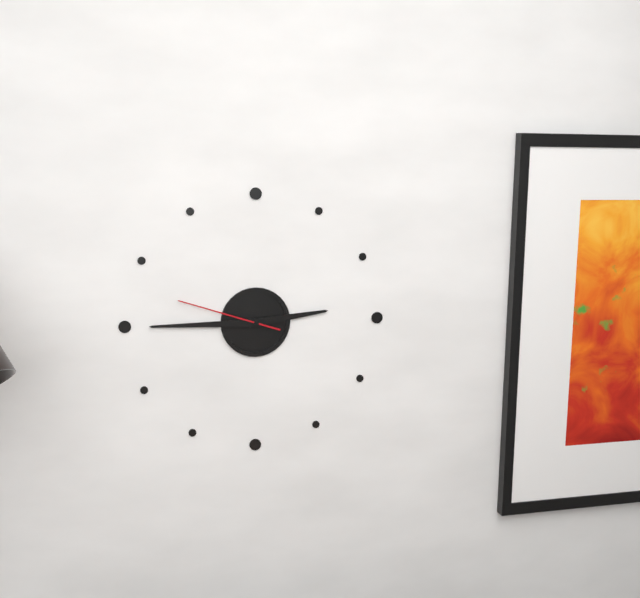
{"hour": 2, "minute": 45, "second": 48}
